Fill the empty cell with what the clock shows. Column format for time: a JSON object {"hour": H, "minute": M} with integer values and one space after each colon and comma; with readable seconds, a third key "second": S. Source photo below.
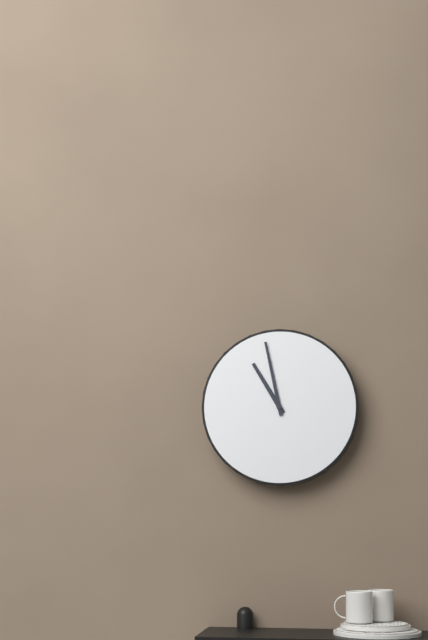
{"hour": 10, "minute": 58}
